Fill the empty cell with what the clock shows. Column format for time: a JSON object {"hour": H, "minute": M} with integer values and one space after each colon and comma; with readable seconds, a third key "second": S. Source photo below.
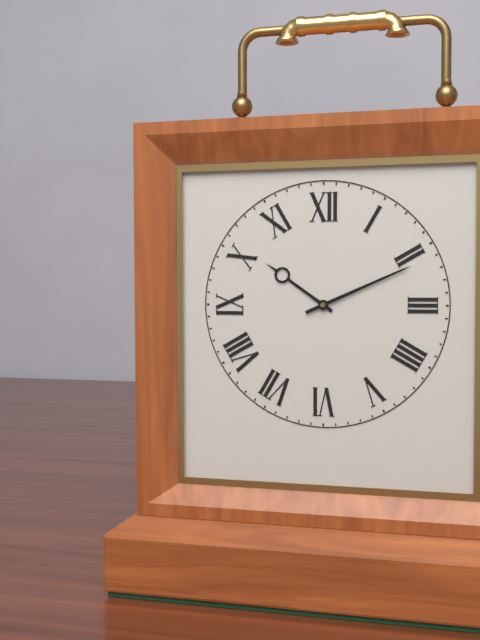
{"hour": 10, "minute": 11}
